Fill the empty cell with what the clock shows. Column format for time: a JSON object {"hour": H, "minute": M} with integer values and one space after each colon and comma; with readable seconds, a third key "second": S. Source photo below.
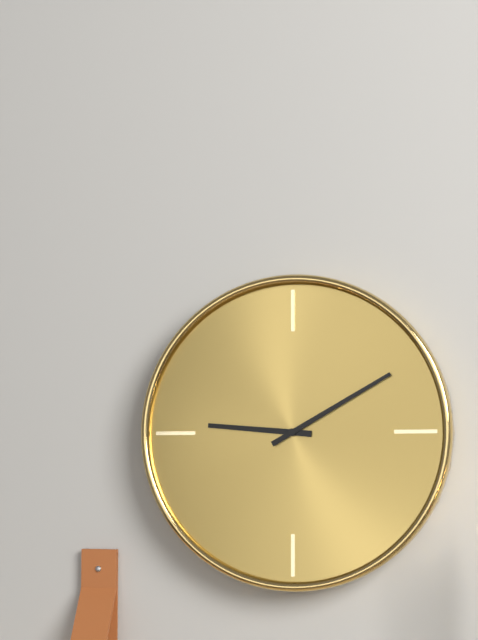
{"hour": 9, "minute": 10}
